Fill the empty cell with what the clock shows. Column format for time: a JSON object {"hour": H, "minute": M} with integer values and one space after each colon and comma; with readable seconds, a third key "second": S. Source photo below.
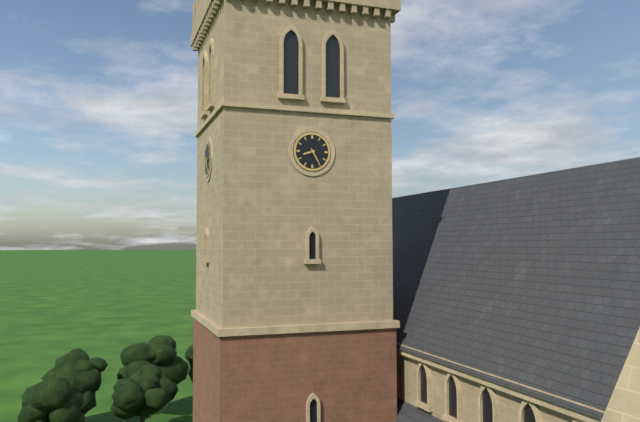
{"hour": 8, "minute": 25}
